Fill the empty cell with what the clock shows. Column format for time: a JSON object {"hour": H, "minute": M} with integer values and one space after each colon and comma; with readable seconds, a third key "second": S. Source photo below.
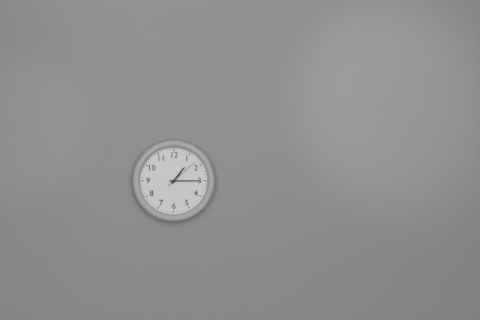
{"hour": 1, "minute": 15}
